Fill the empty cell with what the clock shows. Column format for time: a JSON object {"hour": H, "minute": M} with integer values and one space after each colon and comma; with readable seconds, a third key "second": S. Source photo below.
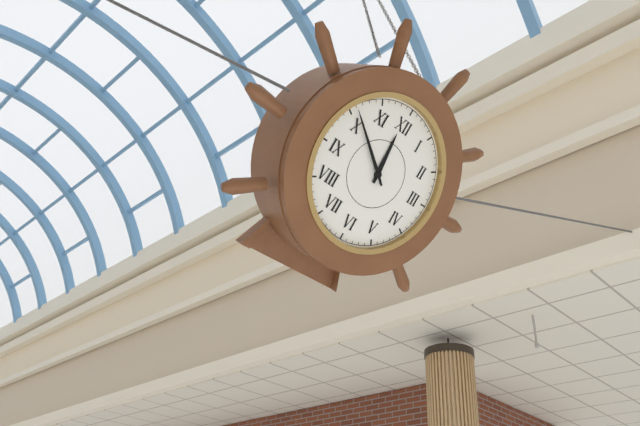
{"hour": 11, "minute": 51}
